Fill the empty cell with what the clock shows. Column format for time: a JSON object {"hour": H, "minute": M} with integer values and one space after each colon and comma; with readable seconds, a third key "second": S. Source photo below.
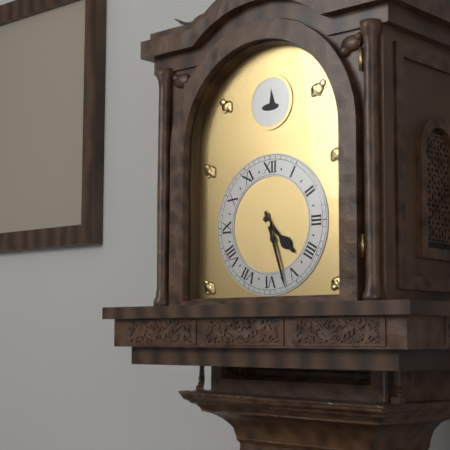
{"hour": 4, "minute": 27}
